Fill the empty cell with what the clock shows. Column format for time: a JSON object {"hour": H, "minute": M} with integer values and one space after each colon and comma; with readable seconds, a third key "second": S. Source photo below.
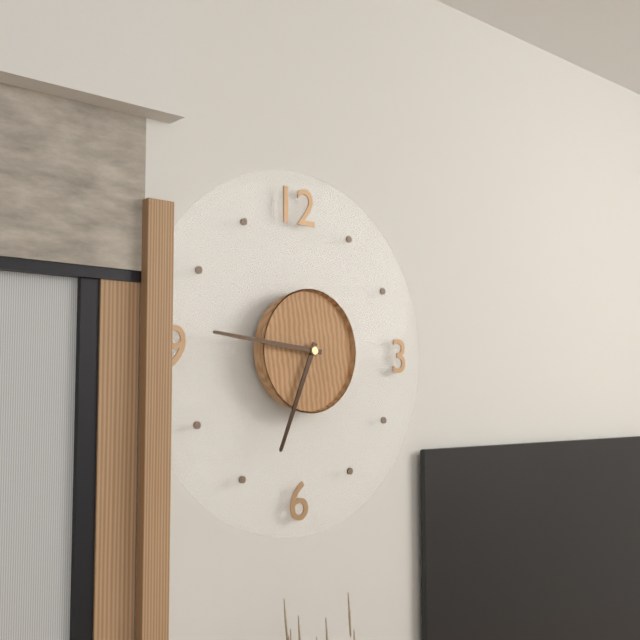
{"hour": 6, "minute": 46}
